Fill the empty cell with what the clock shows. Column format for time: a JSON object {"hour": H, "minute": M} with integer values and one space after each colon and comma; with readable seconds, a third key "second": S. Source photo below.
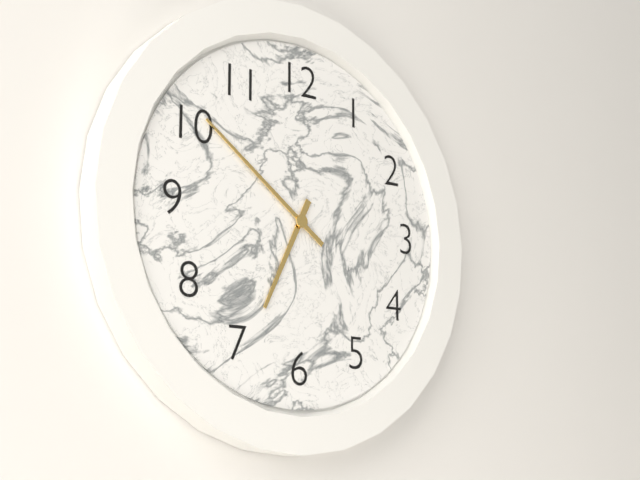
{"hour": 6, "minute": 51}
